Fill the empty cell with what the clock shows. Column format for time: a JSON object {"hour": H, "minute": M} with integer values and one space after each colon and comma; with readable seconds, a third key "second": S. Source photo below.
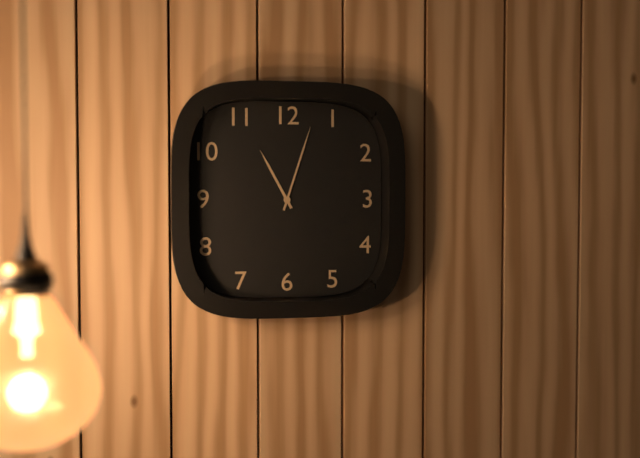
{"hour": 11, "minute": 3}
